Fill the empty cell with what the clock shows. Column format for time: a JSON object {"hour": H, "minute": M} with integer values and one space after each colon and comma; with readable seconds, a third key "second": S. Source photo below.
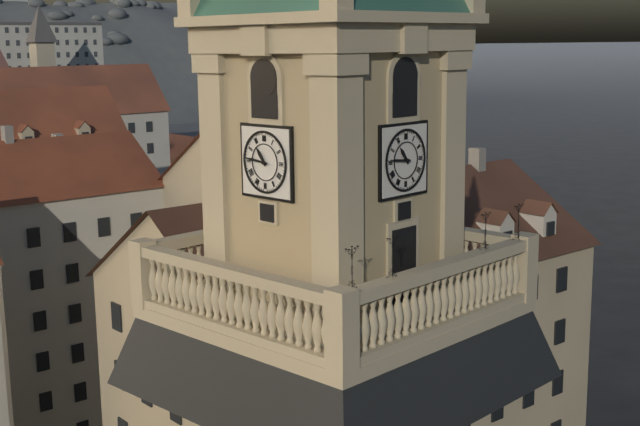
{"hour": 10, "minute": 46}
